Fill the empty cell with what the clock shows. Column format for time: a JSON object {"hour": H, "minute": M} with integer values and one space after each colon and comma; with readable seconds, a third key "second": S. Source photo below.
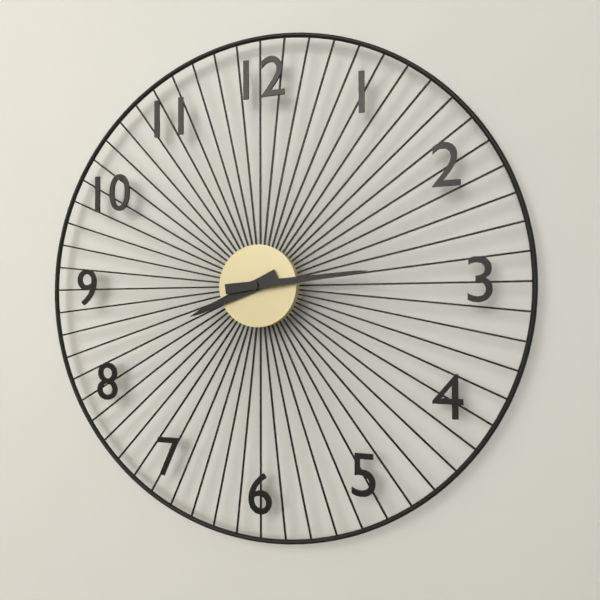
{"hour": 8, "minute": 14}
